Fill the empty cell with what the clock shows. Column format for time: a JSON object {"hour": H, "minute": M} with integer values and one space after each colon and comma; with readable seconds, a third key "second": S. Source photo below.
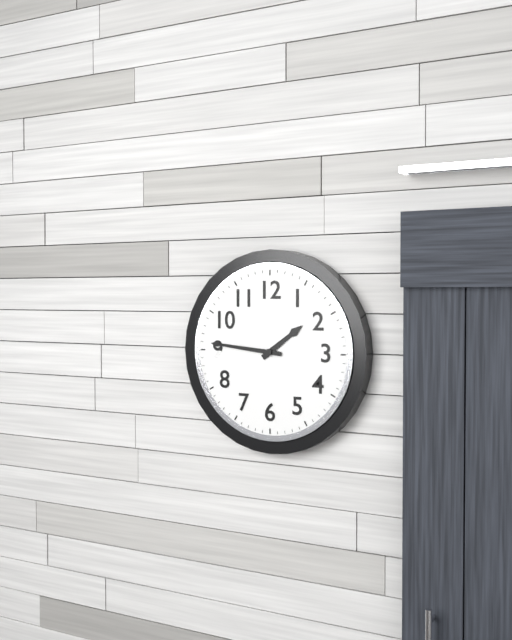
{"hour": 1, "minute": 46}
